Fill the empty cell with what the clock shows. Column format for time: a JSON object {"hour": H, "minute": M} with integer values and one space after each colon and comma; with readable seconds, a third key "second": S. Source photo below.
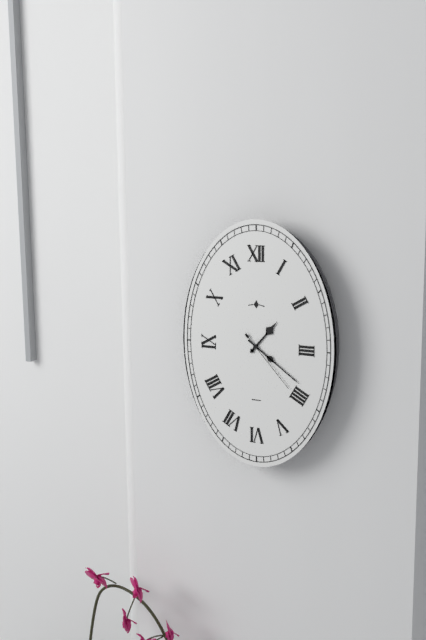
{"hour": 1, "minute": 21, "second": 23}
